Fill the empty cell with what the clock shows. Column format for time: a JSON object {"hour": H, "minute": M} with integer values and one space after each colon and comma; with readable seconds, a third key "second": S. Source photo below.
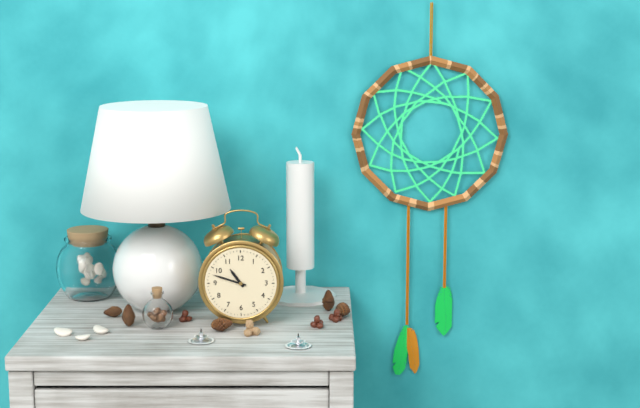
{"hour": 10, "minute": 48}
